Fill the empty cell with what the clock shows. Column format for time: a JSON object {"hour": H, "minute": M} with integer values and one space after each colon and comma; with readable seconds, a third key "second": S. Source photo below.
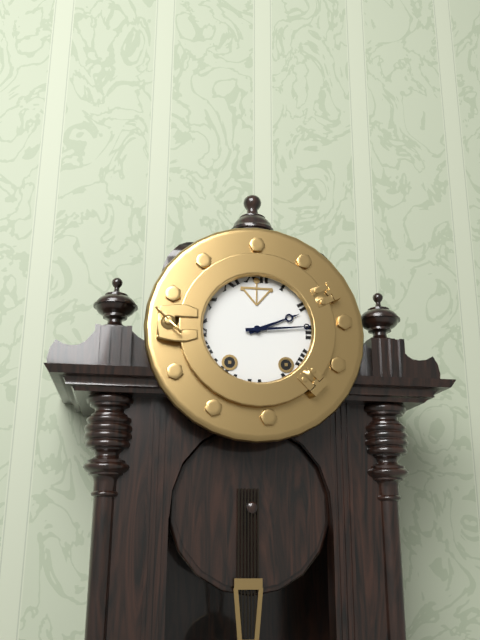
{"hour": 2, "minute": 14}
